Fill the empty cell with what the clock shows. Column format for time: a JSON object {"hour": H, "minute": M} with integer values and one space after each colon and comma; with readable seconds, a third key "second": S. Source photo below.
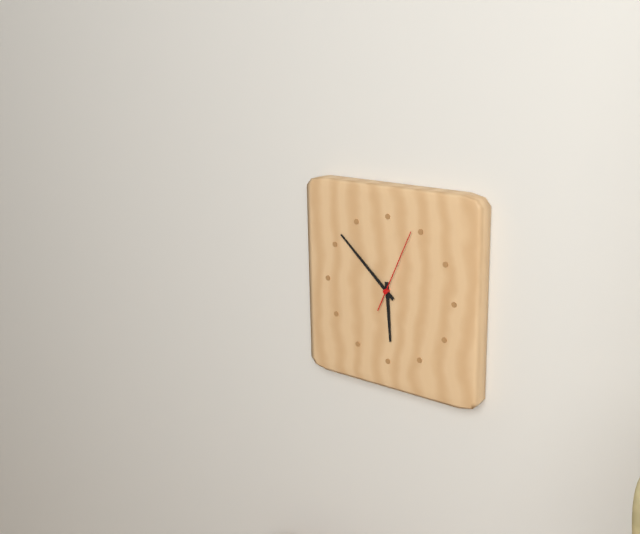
{"hour": 5, "minute": 52, "second": 4}
